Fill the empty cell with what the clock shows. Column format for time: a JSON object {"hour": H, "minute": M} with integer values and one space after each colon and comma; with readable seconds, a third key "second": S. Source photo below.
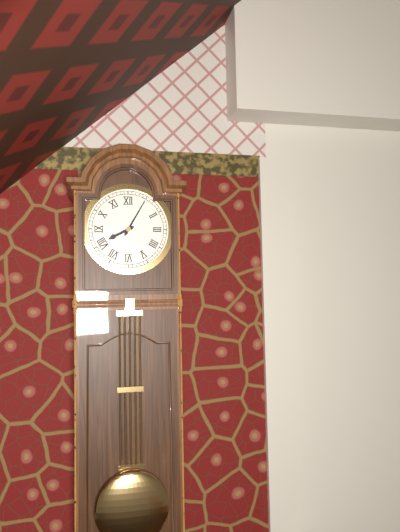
{"hour": 8, "minute": 5}
